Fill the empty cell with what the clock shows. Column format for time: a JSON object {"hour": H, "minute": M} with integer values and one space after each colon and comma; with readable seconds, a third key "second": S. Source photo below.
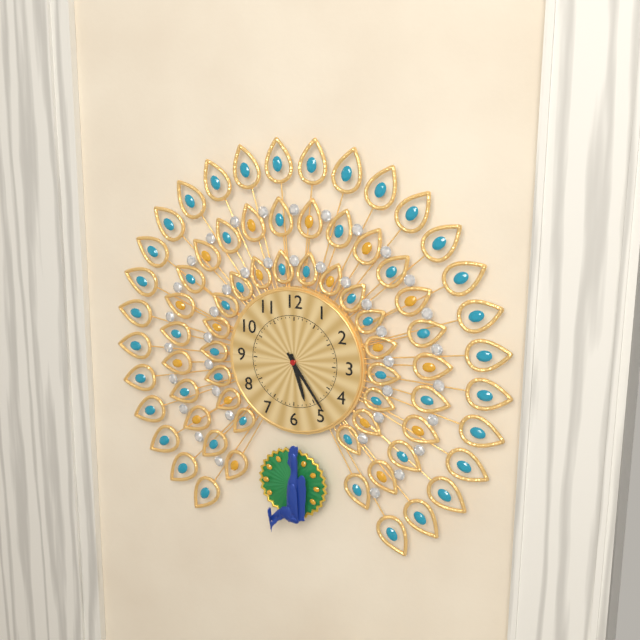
{"hour": 5, "minute": 24}
